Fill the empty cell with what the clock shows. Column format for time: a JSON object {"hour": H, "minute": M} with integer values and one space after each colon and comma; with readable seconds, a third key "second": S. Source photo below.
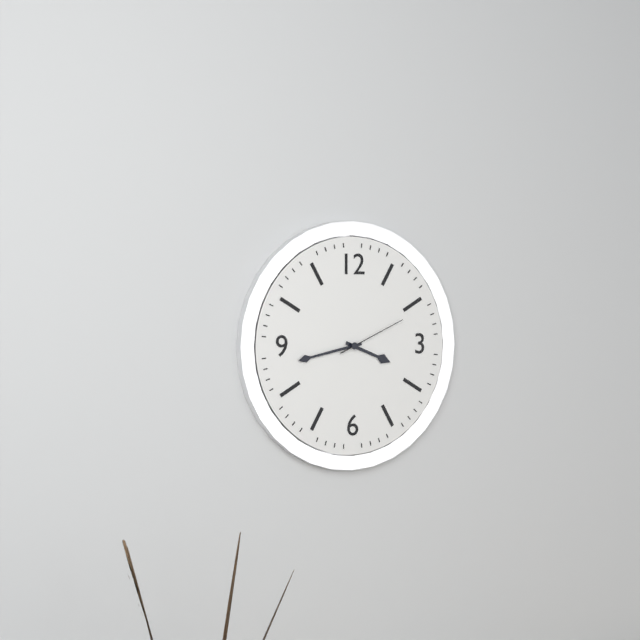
{"hour": 3, "minute": 43, "second": 11}
